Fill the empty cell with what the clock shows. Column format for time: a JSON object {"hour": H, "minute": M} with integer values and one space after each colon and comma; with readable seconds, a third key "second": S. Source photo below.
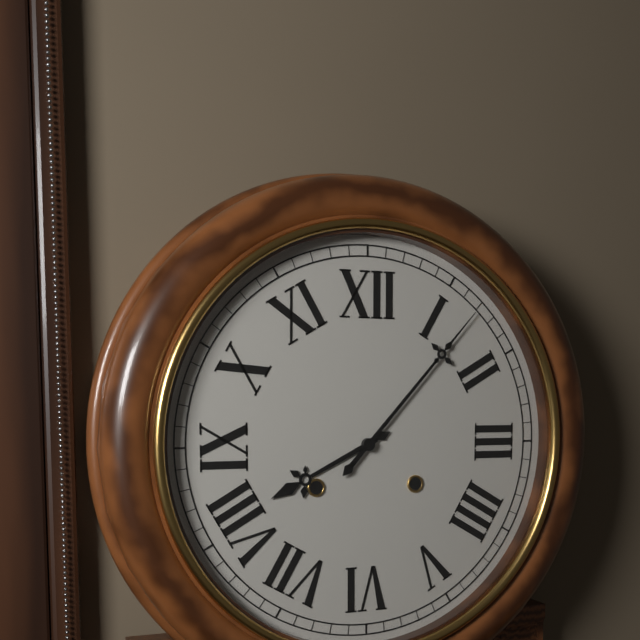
{"hour": 8, "minute": 7}
